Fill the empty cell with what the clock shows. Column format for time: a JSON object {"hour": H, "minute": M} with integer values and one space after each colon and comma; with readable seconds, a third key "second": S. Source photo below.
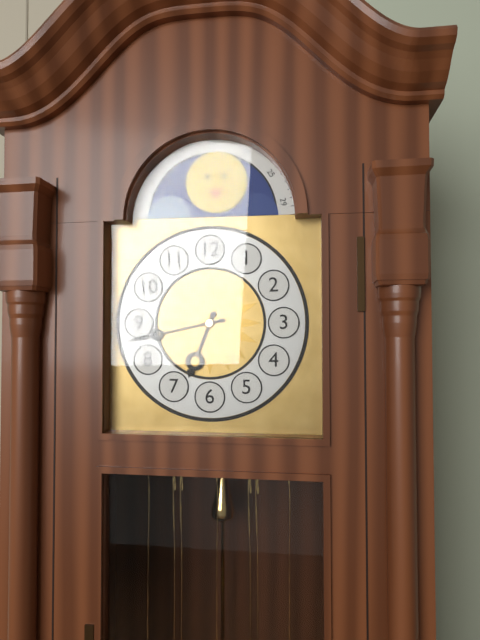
{"hour": 6, "minute": 43}
